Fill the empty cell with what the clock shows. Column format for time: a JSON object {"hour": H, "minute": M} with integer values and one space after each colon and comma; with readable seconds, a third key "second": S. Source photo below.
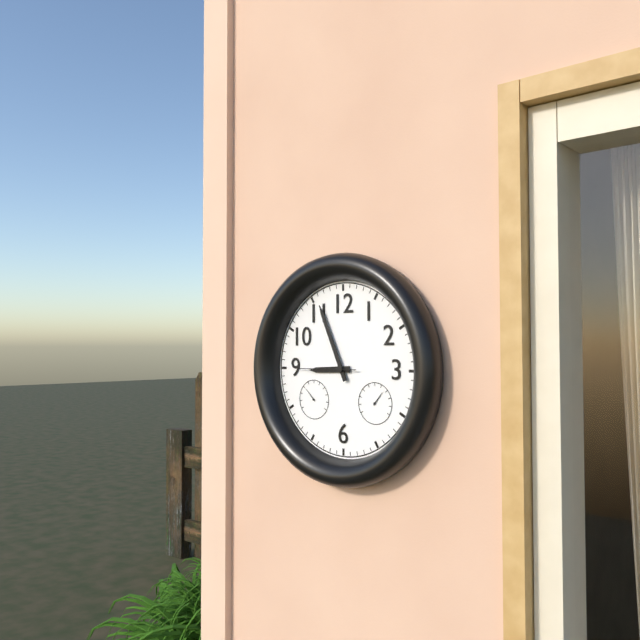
{"hour": 8, "minute": 56, "second": 45}
